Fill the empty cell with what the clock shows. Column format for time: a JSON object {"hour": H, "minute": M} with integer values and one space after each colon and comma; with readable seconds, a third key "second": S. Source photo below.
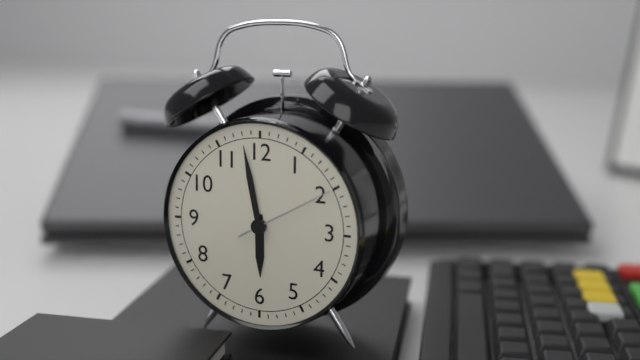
{"hour": 5, "minute": 58, "second": 10}
